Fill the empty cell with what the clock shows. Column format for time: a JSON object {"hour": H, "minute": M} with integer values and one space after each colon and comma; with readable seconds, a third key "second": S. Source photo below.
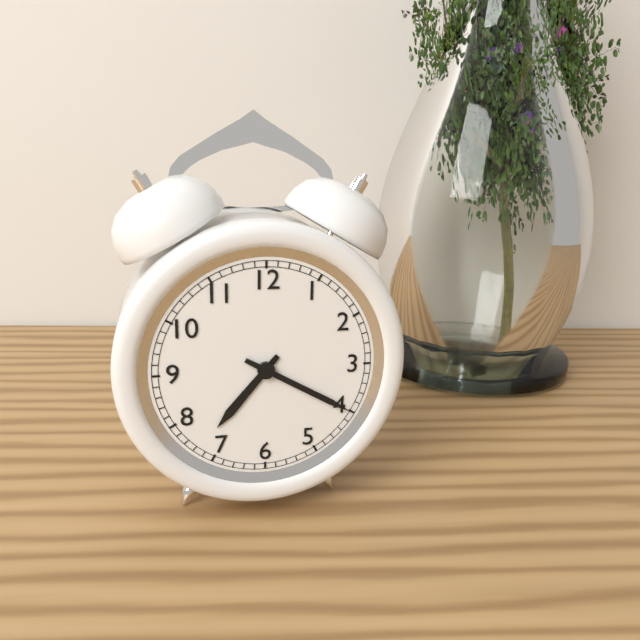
{"hour": 7, "minute": 20}
